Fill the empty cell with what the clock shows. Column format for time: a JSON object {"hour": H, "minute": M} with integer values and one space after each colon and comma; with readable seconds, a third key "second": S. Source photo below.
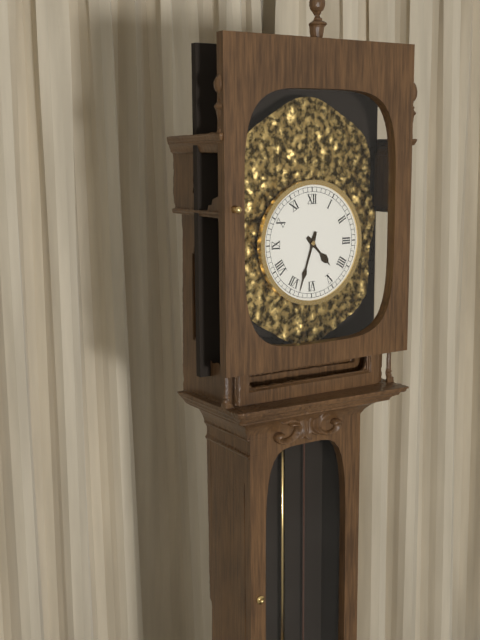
{"hour": 4, "minute": 33}
